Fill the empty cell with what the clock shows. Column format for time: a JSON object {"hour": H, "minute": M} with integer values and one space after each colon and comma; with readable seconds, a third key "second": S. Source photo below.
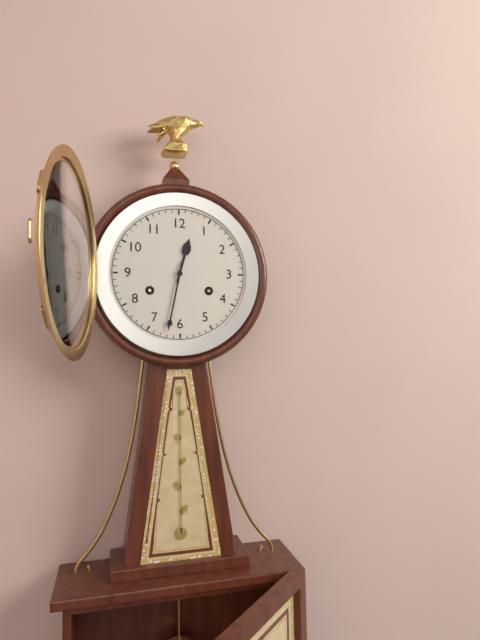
{"hour": 12, "minute": 32}
